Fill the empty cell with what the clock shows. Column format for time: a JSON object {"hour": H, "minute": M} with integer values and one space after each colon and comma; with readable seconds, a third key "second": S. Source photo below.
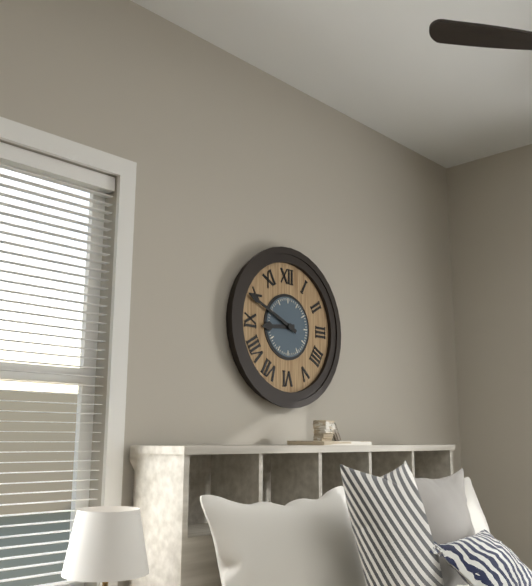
{"hour": 8, "minute": 49}
